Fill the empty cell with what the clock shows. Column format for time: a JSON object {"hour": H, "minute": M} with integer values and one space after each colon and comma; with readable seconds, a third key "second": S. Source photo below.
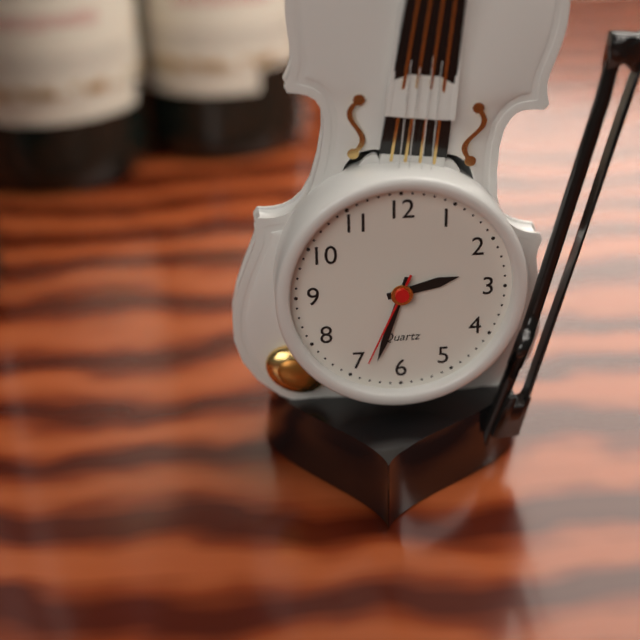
{"hour": 2, "minute": 33, "second": 34}
